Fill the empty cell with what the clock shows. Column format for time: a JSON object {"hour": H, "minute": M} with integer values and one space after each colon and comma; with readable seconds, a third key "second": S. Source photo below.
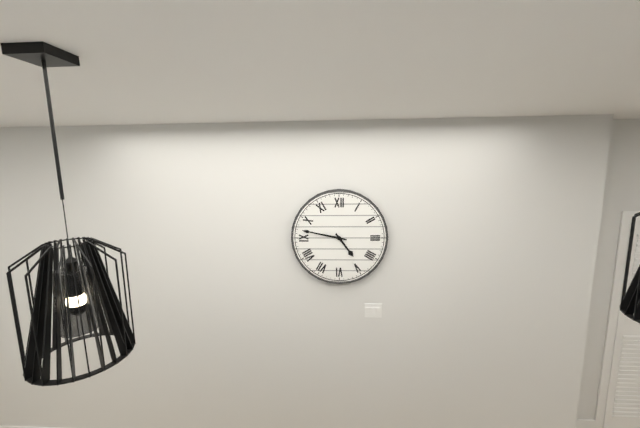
{"hour": 4, "minute": 47}
